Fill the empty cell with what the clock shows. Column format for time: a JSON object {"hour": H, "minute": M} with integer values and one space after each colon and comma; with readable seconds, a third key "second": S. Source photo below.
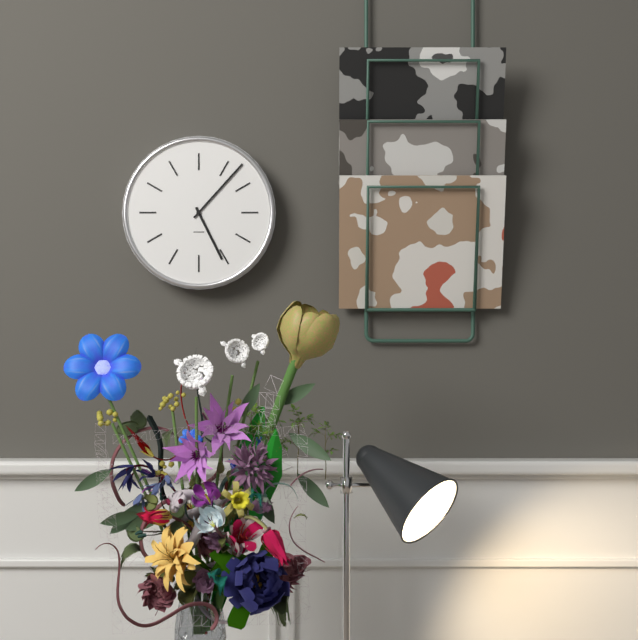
{"hour": 5, "minute": 7}
